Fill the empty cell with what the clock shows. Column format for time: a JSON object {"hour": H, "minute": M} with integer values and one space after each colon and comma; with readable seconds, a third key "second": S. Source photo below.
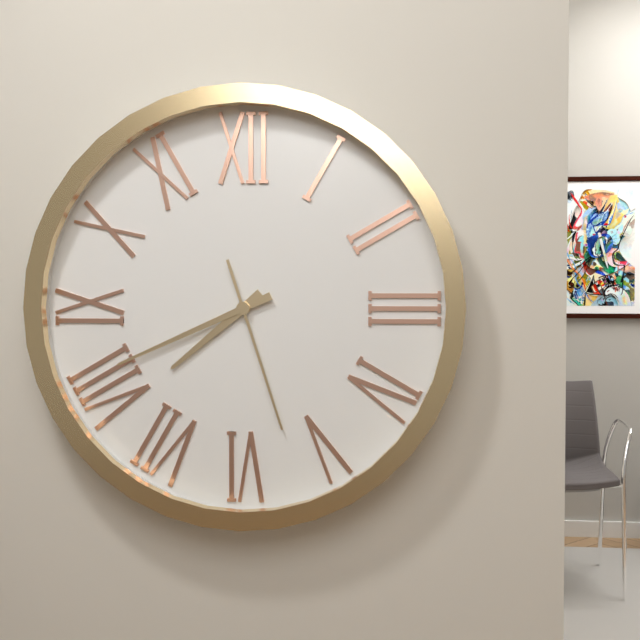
{"hour": 7, "minute": 41, "second": 27}
